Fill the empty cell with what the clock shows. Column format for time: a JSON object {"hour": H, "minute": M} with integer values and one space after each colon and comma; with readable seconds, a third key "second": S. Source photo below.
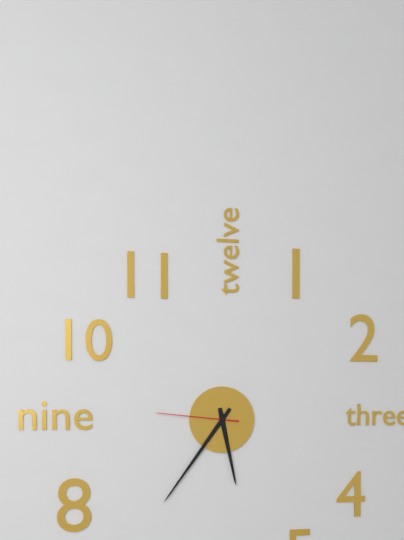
{"hour": 5, "minute": 36, "second": 46}
